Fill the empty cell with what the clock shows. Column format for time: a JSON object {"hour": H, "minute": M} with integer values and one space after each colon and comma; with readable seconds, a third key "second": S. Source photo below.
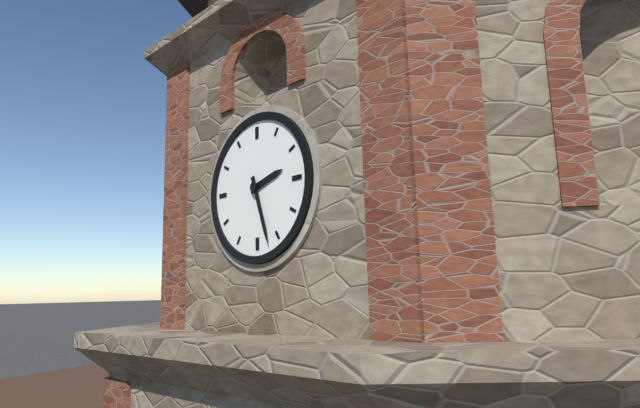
{"hour": 2, "minute": 27}
